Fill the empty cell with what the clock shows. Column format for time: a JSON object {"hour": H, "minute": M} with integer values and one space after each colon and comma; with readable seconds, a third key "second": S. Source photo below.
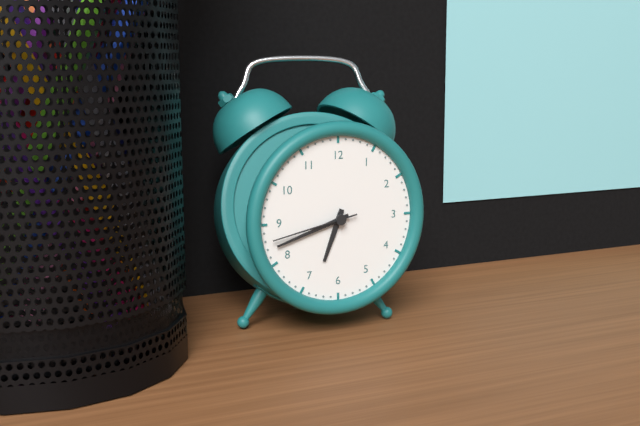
{"hour": 6, "minute": 42, "second": 43}
